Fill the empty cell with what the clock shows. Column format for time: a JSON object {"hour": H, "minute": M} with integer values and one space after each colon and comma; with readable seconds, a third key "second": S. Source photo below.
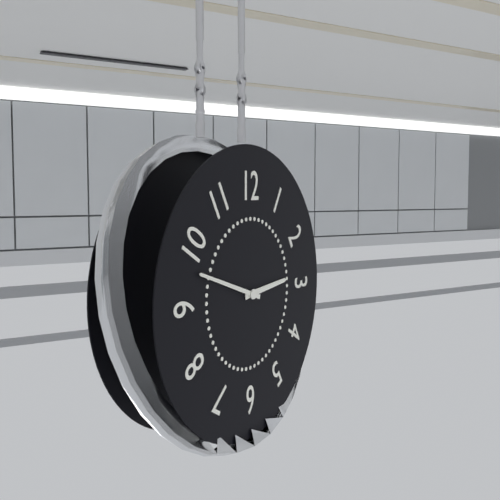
{"hour": 2, "minute": 48}
